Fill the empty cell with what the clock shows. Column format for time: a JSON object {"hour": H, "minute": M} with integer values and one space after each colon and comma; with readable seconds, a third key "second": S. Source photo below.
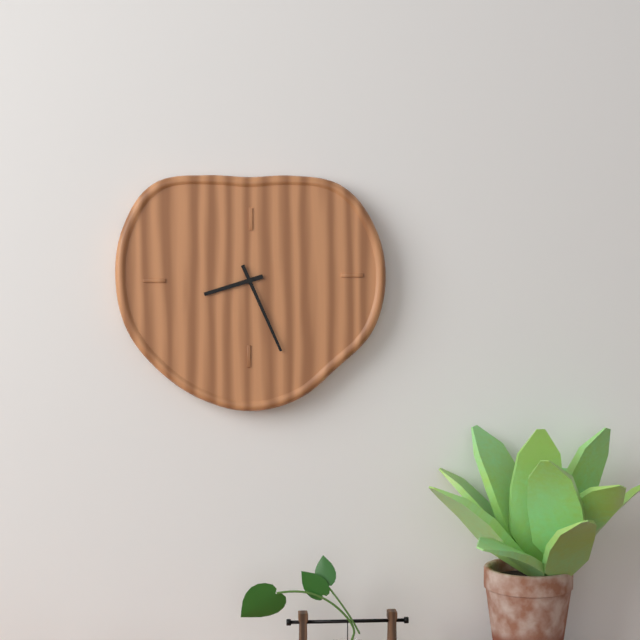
{"hour": 8, "minute": 26}
